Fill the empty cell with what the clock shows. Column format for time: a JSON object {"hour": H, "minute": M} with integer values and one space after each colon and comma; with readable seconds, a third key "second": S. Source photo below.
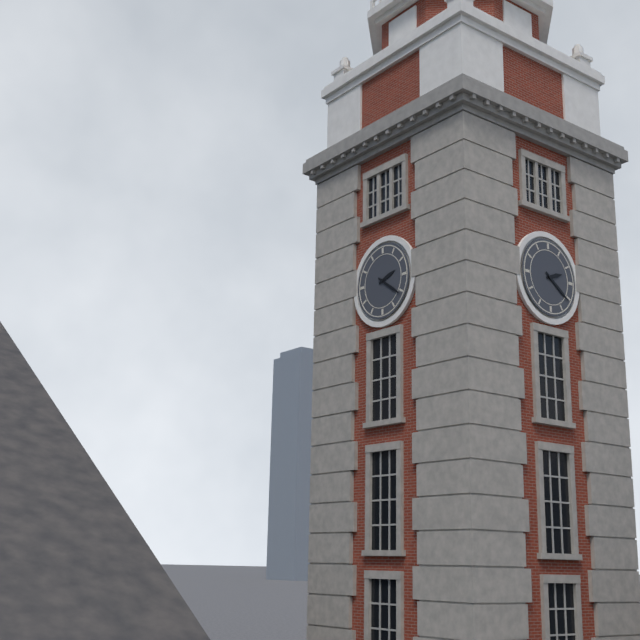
{"hour": 2, "minute": 21}
